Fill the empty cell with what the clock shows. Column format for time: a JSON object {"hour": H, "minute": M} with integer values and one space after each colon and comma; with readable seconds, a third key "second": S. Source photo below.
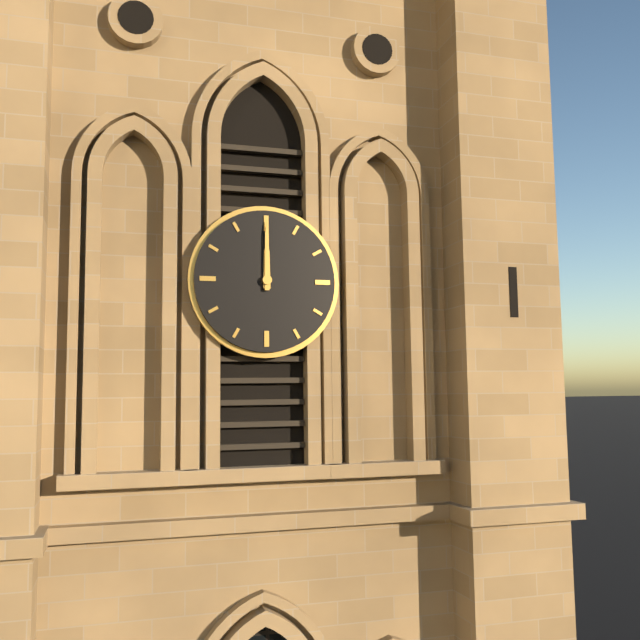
{"hour": 12, "minute": 0}
